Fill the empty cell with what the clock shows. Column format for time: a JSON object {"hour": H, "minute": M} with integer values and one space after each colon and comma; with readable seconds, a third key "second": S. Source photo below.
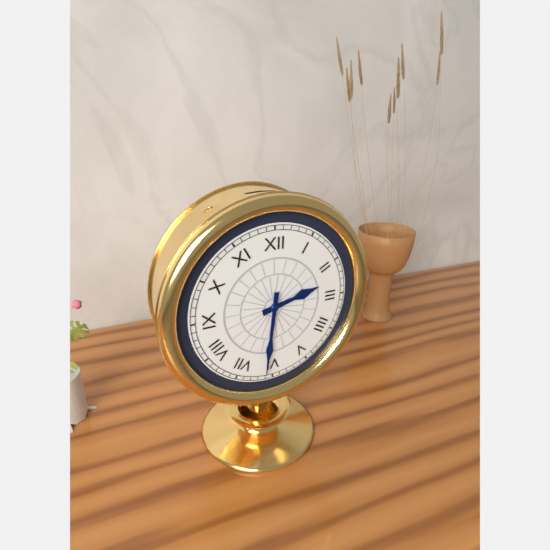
{"hour": 2, "minute": 31}
